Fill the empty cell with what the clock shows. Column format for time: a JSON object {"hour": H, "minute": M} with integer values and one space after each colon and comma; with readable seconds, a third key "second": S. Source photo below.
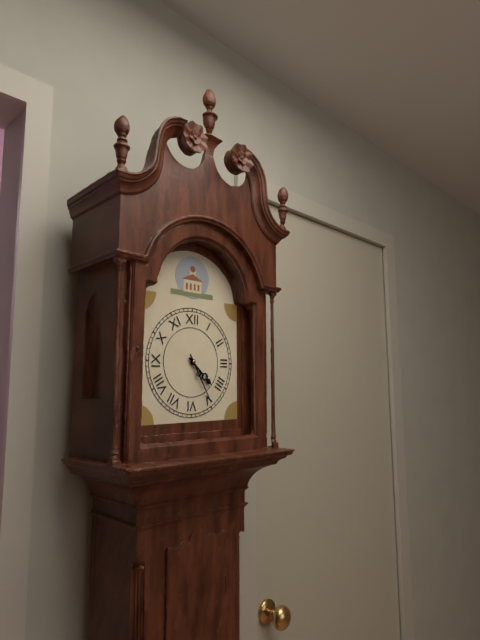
{"hour": 4, "minute": 25}
